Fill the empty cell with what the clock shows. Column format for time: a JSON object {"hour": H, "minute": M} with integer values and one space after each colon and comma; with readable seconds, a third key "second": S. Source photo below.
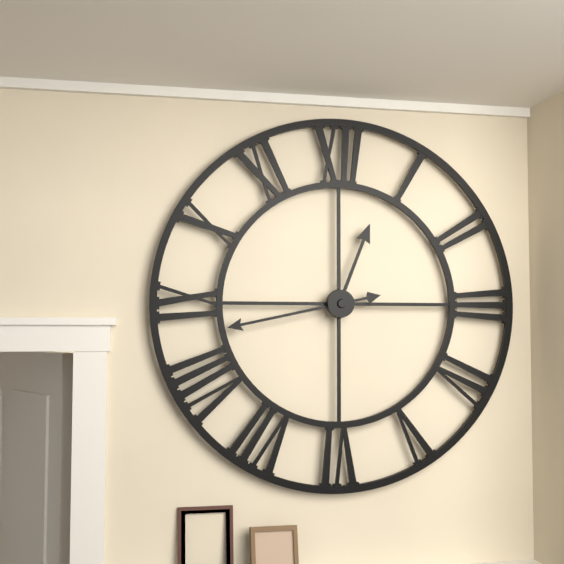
{"hour": 12, "minute": 43}
